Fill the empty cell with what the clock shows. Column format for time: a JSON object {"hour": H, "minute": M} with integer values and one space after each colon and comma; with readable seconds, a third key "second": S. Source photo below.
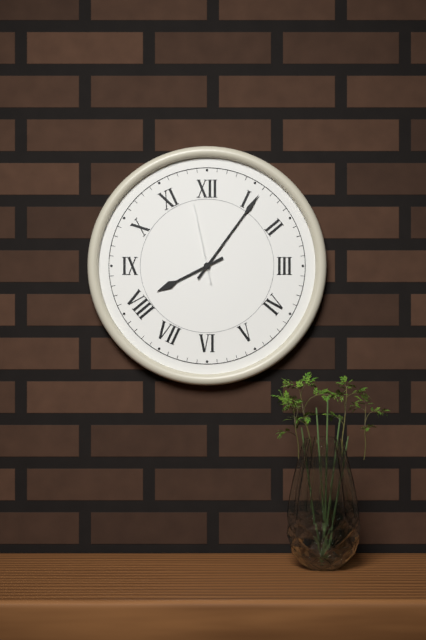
{"hour": 8, "minute": 6, "second": 58}
